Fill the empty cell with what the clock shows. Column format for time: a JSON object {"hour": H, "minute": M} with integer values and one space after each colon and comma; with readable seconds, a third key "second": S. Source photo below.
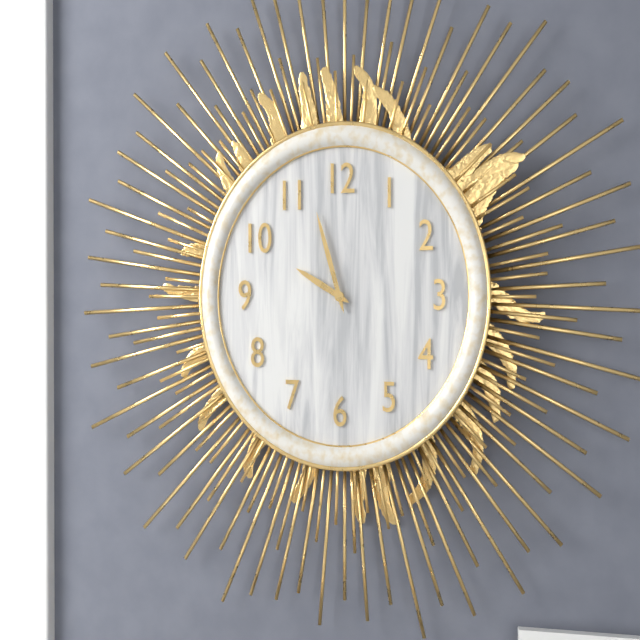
{"hour": 9, "minute": 57}
